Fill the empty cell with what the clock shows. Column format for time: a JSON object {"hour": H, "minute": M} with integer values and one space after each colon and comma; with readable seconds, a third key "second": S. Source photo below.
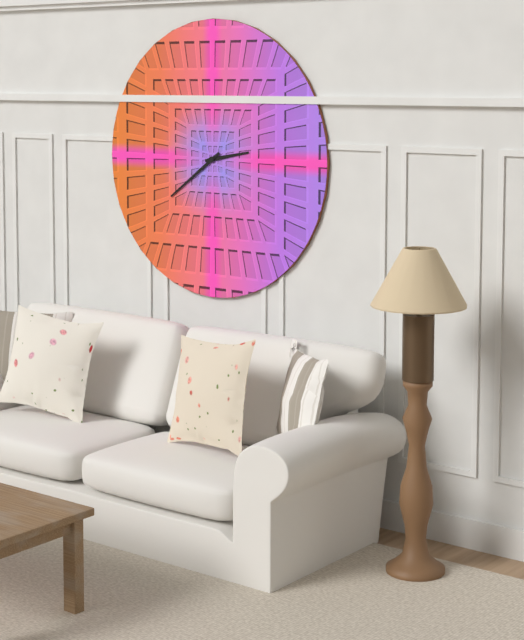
{"hour": 2, "minute": 39}
